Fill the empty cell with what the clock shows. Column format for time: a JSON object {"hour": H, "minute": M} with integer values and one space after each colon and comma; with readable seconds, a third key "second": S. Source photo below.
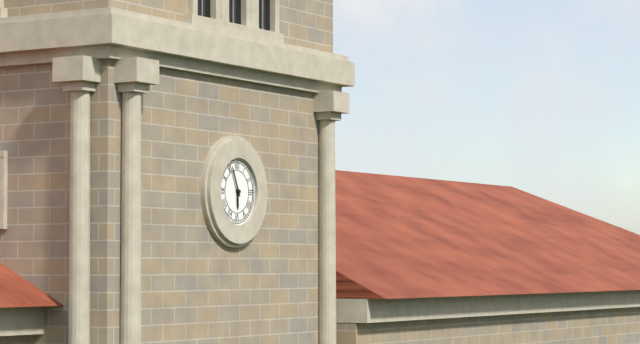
{"hour": 5, "minute": 56}
